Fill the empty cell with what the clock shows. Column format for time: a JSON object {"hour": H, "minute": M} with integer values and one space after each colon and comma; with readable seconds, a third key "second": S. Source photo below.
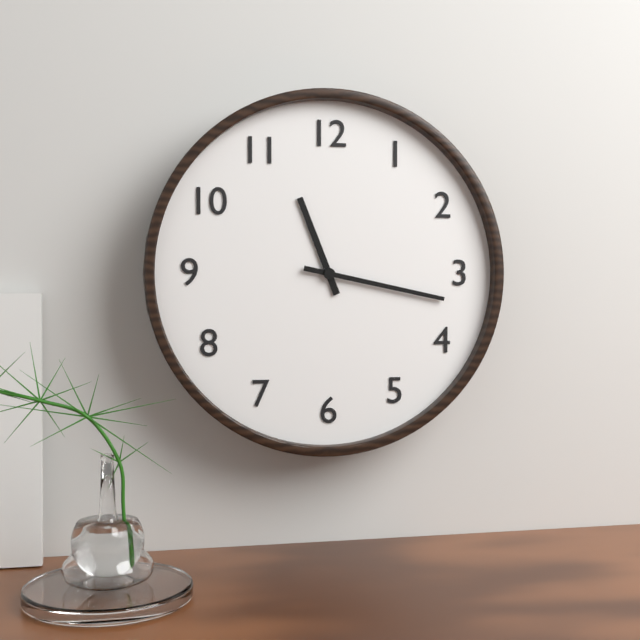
{"hour": 11, "minute": 17}
